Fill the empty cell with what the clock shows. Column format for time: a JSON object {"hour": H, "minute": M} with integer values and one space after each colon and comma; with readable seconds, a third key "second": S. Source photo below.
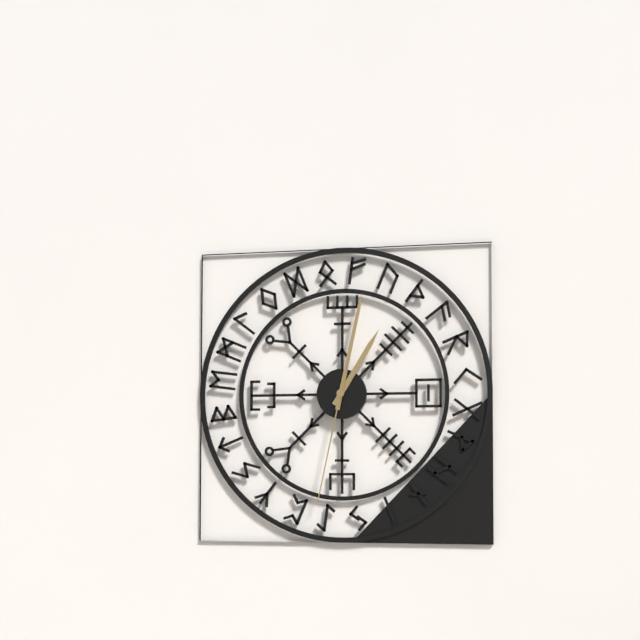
{"hour": 1, "minute": 2, "second": 32}
